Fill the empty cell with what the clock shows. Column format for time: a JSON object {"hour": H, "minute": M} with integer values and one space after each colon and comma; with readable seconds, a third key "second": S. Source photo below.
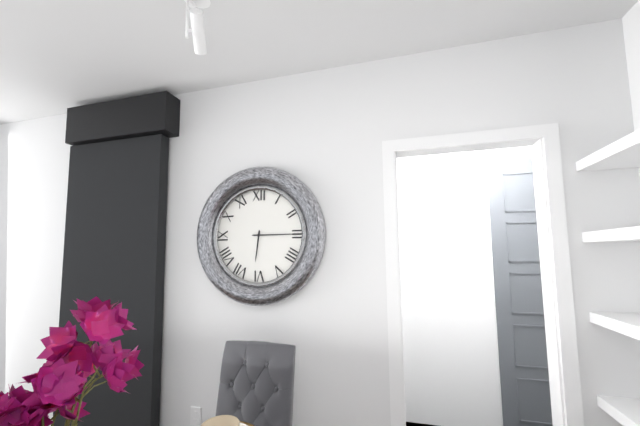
{"hour": 6, "minute": 15}
